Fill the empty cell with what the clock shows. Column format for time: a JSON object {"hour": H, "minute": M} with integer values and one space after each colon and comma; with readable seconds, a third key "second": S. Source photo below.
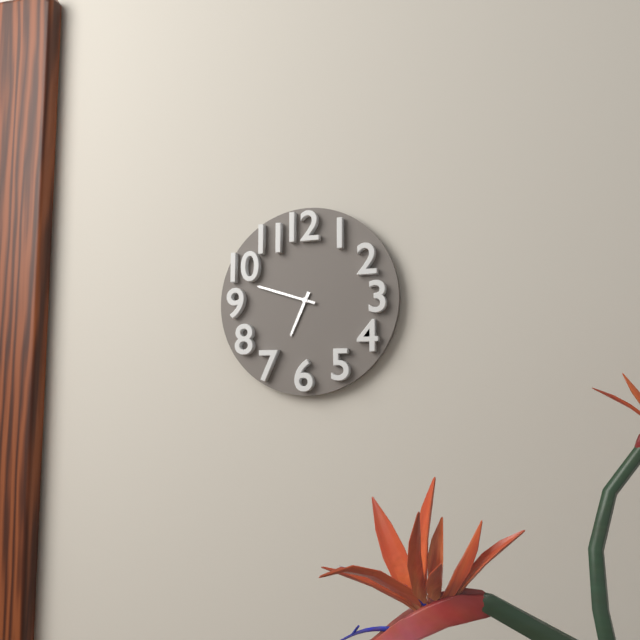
{"hour": 6, "minute": 48}
